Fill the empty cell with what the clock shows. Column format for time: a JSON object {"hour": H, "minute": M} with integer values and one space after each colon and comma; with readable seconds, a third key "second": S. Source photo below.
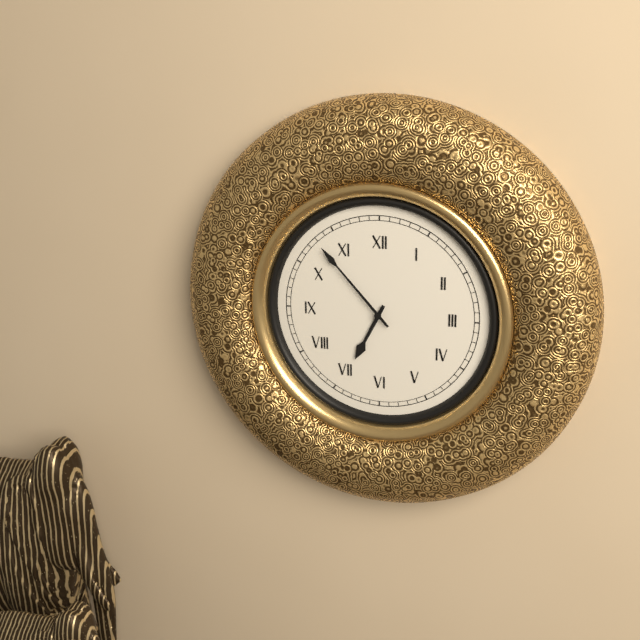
{"hour": 6, "minute": 53}
